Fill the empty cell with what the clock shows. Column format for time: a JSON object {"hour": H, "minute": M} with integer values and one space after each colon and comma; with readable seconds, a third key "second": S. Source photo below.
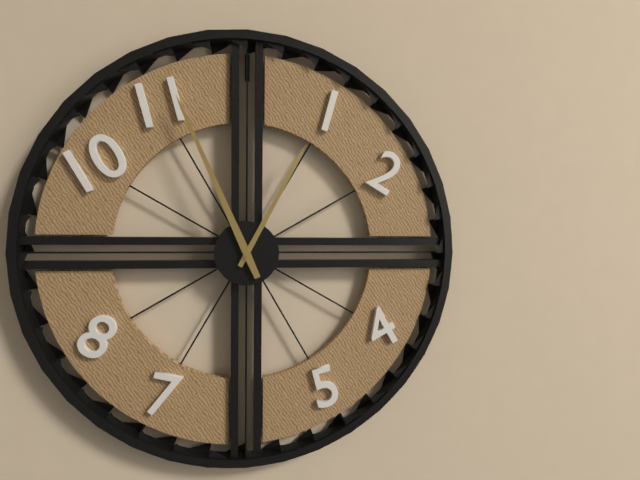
{"hour": 12, "minute": 56}
